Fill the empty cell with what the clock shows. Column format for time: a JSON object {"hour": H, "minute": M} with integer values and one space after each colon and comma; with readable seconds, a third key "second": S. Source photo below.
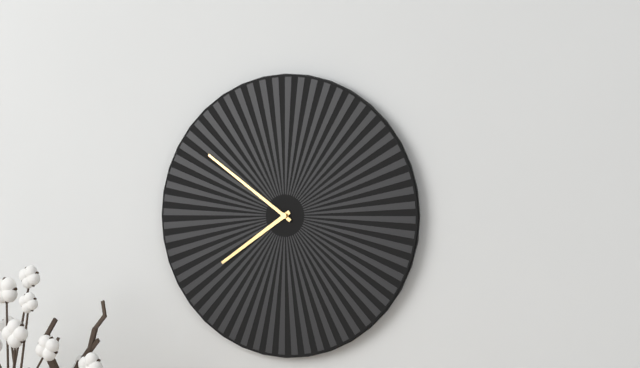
{"hour": 7, "minute": 51}
